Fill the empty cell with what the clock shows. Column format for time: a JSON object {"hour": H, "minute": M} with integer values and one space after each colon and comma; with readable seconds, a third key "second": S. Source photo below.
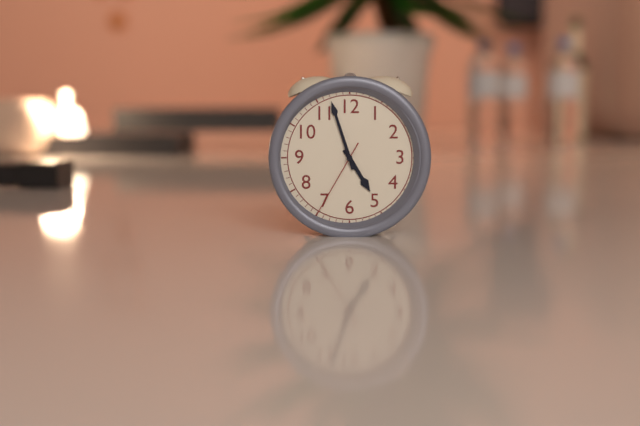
{"hour": 4, "minute": 57, "second": 35}
